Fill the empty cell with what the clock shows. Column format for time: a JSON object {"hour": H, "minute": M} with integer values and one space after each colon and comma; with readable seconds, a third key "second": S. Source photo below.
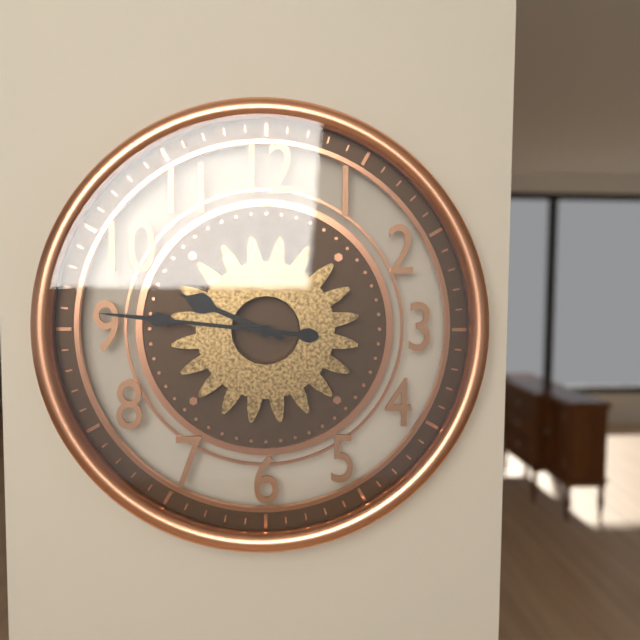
{"hour": 9, "minute": 46}
